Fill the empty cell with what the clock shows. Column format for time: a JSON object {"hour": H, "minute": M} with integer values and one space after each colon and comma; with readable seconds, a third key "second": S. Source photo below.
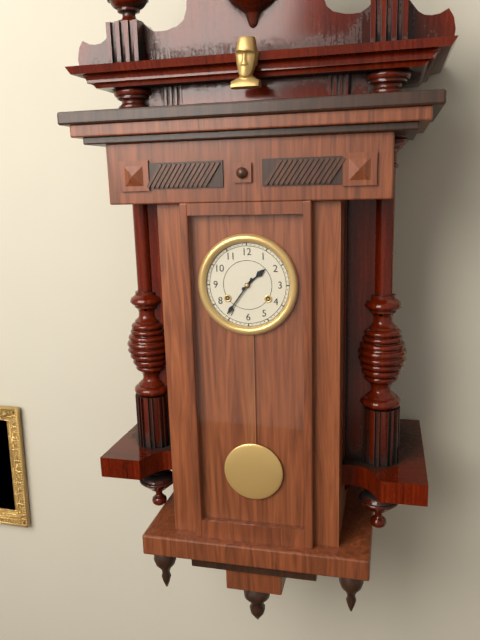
{"hour": 1, "minute": 36}
